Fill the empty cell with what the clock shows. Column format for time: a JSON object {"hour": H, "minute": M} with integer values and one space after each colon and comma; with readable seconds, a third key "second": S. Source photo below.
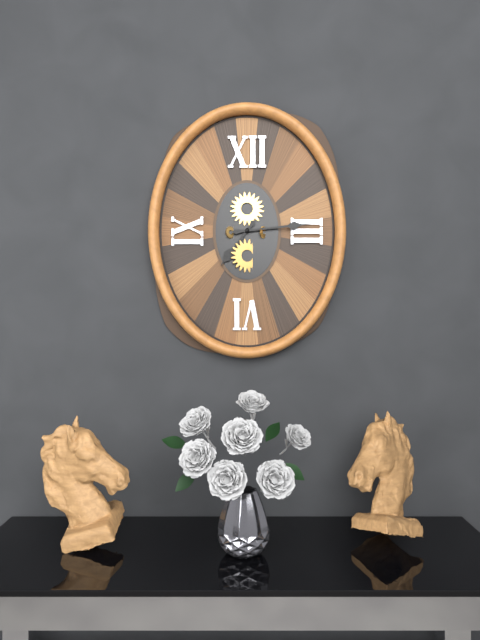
{"hour": 7, "minute": 14}
